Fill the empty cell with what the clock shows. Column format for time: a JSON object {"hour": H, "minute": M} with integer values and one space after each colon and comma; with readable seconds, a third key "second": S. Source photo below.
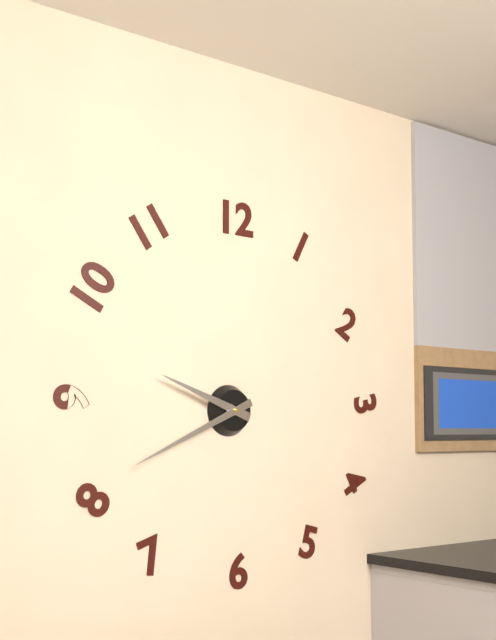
{"hour": 9, "minute": 41}
